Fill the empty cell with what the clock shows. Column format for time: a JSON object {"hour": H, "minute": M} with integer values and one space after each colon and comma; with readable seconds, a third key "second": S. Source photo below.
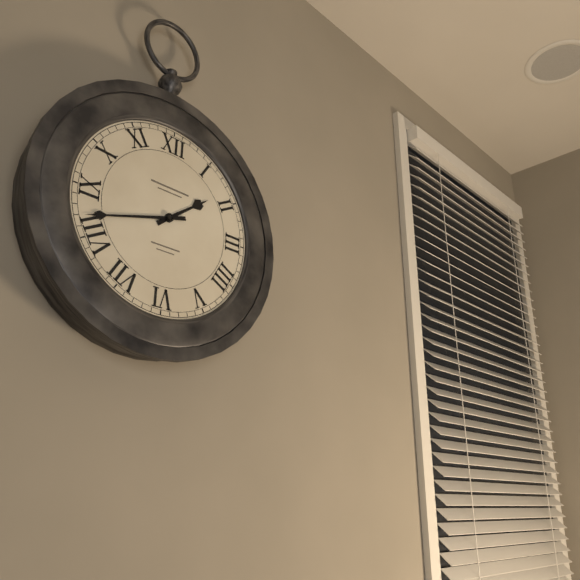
{"hour": 1, "minute": 42}
